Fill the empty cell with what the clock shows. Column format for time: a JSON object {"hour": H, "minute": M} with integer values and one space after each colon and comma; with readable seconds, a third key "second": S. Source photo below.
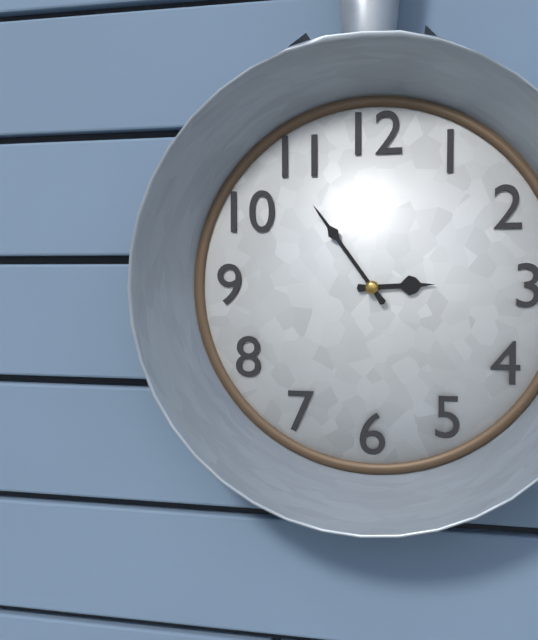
{"hour": 2, "minute": 54}
